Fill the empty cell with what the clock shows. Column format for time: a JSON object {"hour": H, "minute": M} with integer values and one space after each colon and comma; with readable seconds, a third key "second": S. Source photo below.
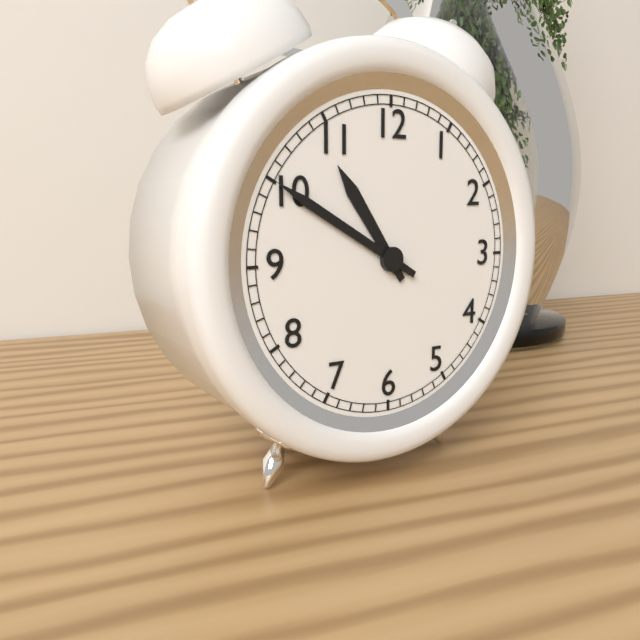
{"hour": 10, "minute": 50}
